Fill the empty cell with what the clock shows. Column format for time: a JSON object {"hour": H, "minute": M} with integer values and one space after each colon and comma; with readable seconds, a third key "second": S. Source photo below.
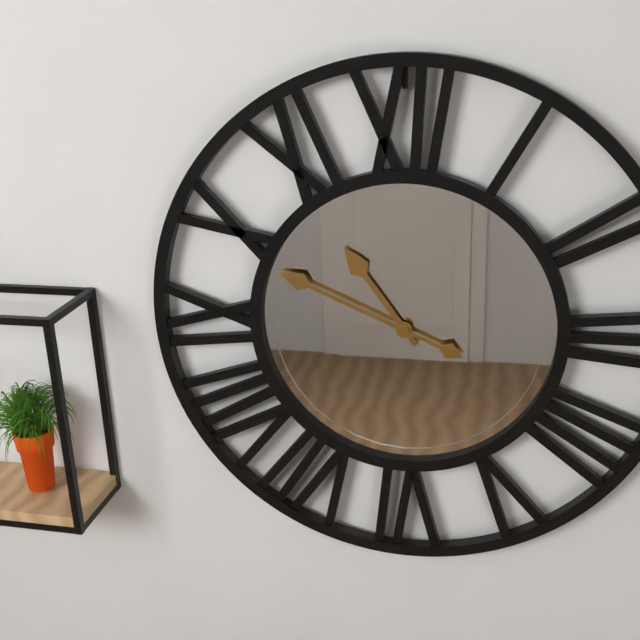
{"hour": 10, "minute": 49}
